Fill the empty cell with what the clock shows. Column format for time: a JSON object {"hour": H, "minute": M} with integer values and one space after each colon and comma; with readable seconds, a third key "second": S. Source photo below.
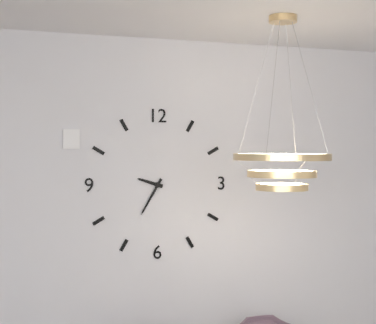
{"hour": 9, "minute": 35}
